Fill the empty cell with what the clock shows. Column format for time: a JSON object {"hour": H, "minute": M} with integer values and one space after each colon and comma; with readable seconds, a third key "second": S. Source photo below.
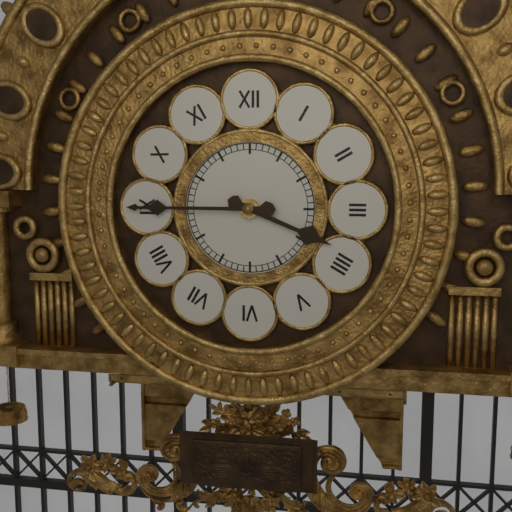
{"hour": 3, "minute": 45}
